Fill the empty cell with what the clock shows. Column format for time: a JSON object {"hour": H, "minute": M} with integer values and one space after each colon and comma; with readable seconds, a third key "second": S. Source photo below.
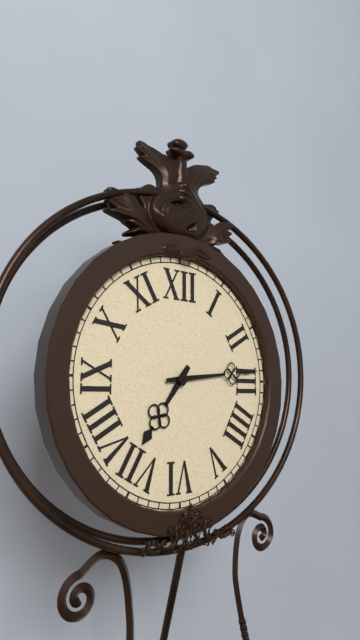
{"hour": 7, "minute": 14}
